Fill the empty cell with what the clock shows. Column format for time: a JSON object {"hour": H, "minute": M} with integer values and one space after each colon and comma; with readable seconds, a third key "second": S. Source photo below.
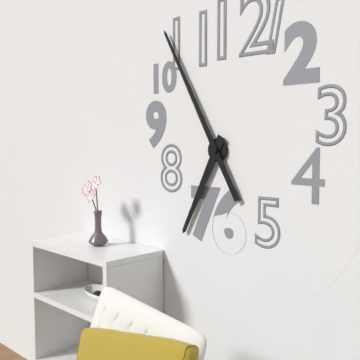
{"hour": 6, "minute": 55}
